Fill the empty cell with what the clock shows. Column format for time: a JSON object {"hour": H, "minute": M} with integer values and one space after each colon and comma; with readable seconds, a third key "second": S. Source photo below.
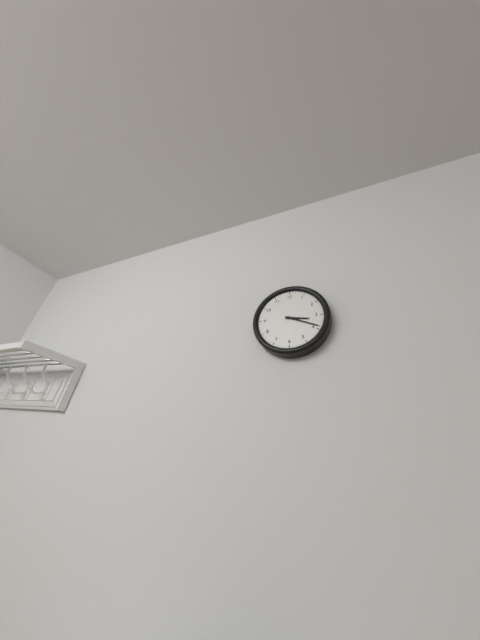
{"hour": 3, "minute": 19}
